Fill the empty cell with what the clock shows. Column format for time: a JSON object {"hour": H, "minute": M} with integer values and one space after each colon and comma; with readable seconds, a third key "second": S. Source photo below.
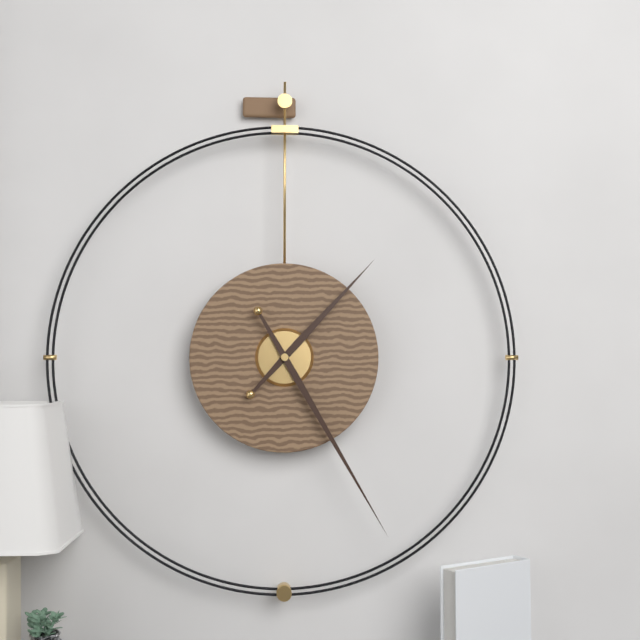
{"hour": 1, "minute": 25}
